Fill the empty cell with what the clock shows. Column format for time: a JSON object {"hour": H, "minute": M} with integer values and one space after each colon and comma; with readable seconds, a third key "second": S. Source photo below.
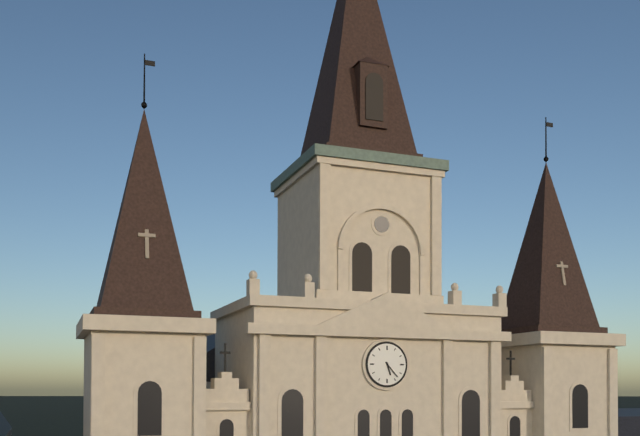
{"hour": 5, "minute": 23}
